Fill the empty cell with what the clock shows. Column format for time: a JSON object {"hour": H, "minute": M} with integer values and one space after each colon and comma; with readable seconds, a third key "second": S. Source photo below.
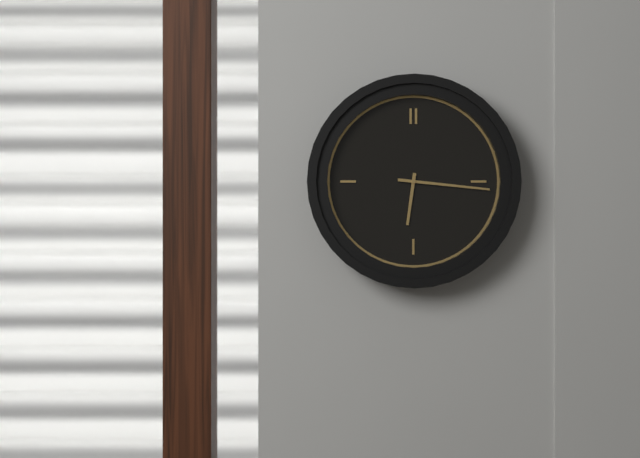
{"hour": 6, "minute": 16}
